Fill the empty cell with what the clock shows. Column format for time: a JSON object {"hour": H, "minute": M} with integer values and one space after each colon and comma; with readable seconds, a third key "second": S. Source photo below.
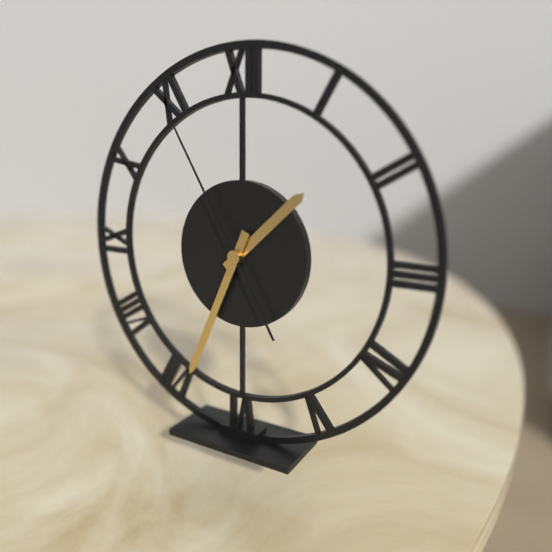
{"hour": 1, "minute": 34, "second": 55}
